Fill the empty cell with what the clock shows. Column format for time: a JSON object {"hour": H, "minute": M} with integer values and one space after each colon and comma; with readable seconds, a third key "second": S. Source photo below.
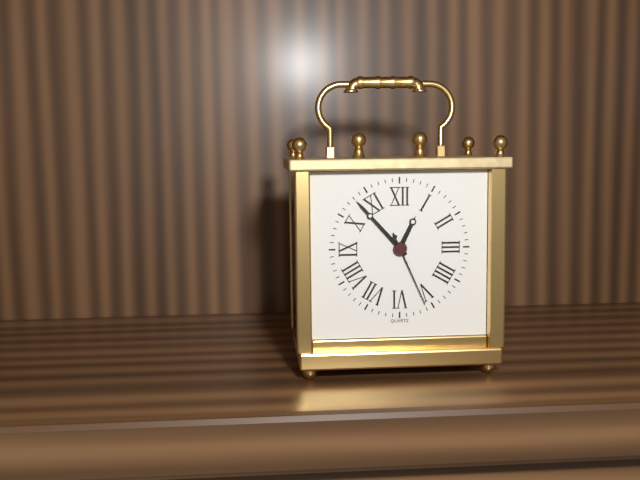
{"hour": 12, "minute": 53, "second": 26}
